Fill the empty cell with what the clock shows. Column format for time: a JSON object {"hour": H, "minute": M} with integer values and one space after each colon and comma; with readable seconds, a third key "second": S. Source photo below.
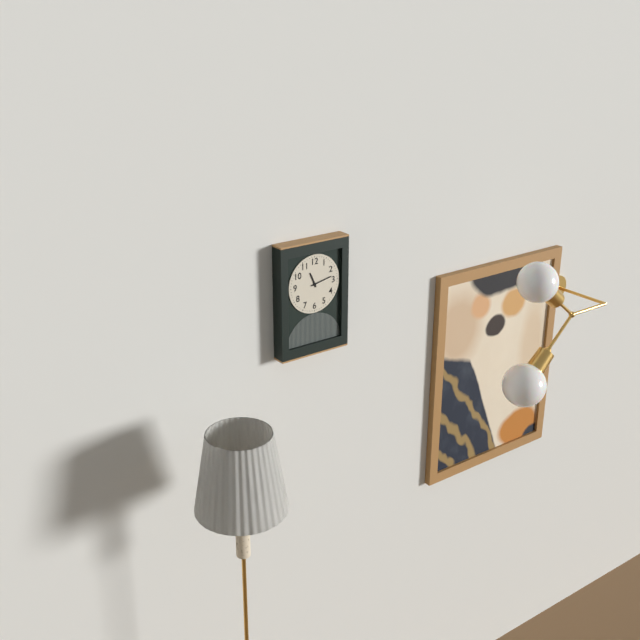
{"hour": 11, "minute": 13}
